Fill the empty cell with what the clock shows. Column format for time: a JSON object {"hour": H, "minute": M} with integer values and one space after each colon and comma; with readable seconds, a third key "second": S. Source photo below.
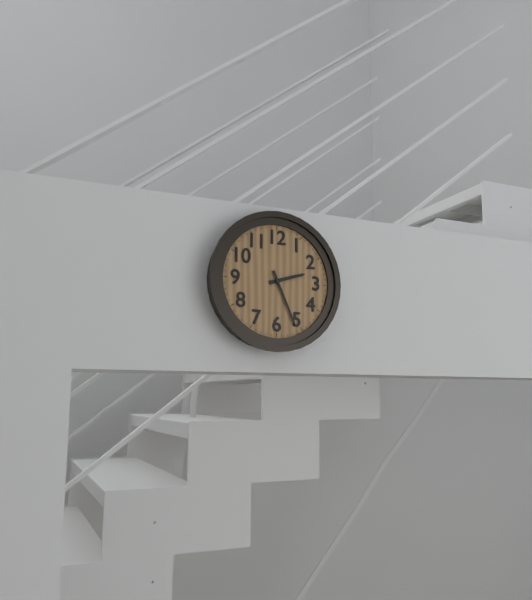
{"hour": 2, "minute": 26}
